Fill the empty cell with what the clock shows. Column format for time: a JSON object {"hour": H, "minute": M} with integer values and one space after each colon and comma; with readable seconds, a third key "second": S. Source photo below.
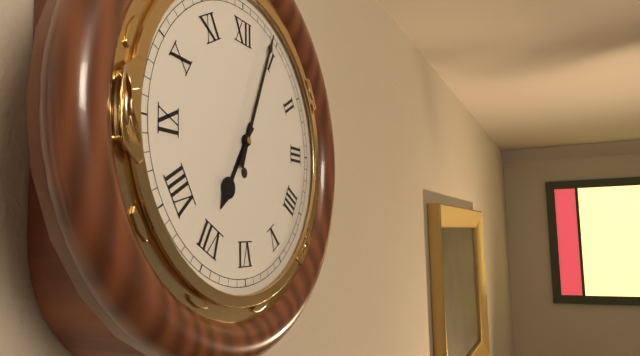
{"hour": 7, "minute": 4}
